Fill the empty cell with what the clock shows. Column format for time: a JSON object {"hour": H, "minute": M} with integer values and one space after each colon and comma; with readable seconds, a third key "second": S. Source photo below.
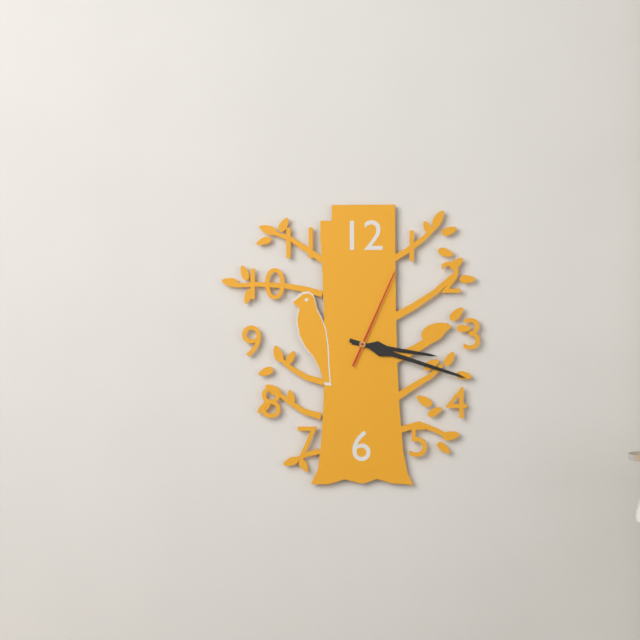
{"hour": 3, "minute": 18, "second": 4}
